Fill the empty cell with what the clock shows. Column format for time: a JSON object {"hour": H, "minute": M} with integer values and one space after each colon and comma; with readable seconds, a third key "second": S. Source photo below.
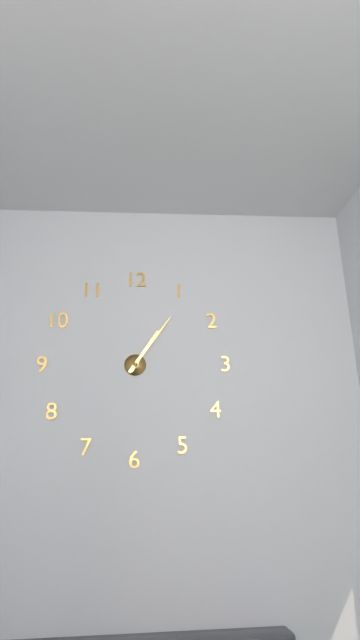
{"hour": 1, "minute": 6}
